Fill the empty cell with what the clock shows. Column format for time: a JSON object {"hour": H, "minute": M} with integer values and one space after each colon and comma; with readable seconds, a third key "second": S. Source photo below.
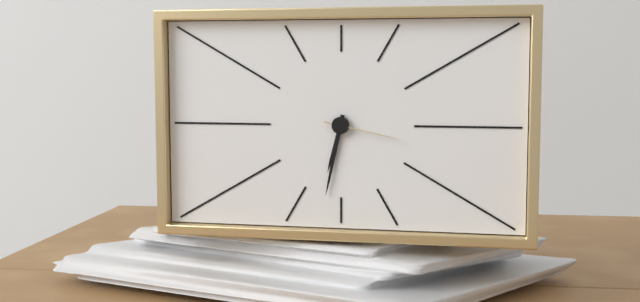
{"hour": 6, "minute": 32, "second": 17}
